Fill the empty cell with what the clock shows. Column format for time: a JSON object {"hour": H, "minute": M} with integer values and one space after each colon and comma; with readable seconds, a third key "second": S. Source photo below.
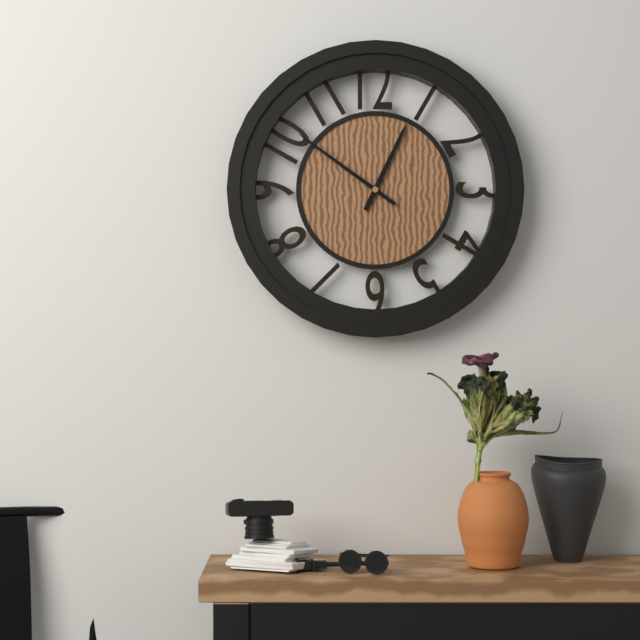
{"hour": 12, "minute": 51}
